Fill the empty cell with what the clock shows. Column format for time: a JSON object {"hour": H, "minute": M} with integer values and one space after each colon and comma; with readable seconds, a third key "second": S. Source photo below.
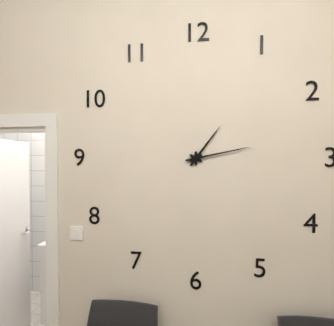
{"hour": 1, "minute": 13}
